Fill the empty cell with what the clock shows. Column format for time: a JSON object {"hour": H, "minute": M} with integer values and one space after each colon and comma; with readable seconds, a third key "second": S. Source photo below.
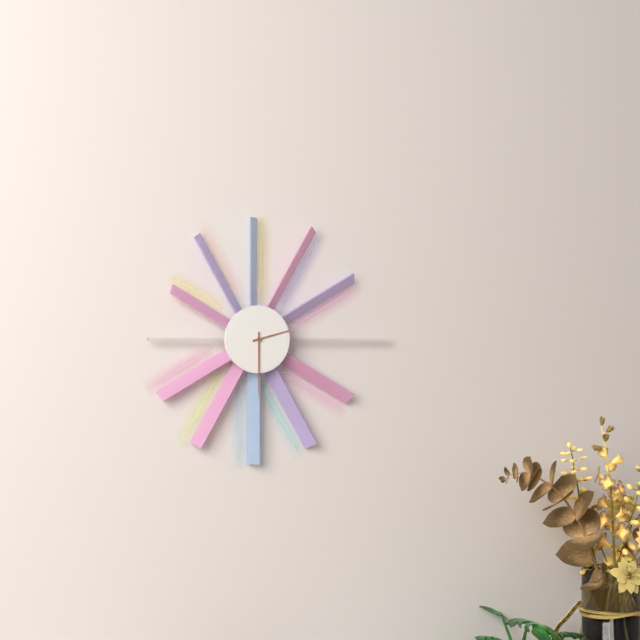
{"hour": 2, "minute": 30}
